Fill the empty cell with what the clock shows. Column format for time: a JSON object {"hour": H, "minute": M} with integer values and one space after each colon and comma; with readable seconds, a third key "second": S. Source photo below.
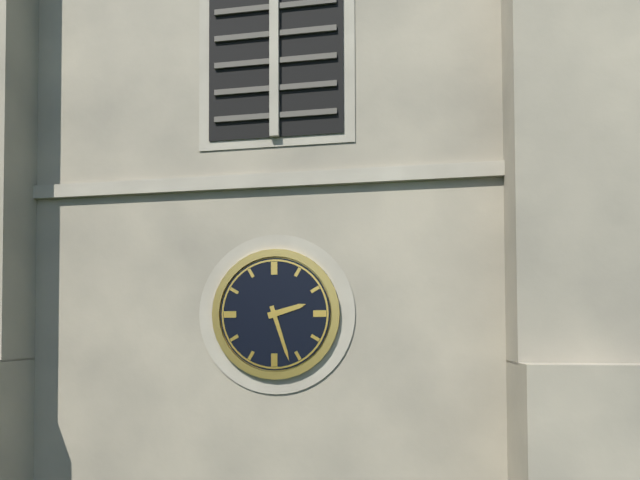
{"hour": 2, "minute": 27}
